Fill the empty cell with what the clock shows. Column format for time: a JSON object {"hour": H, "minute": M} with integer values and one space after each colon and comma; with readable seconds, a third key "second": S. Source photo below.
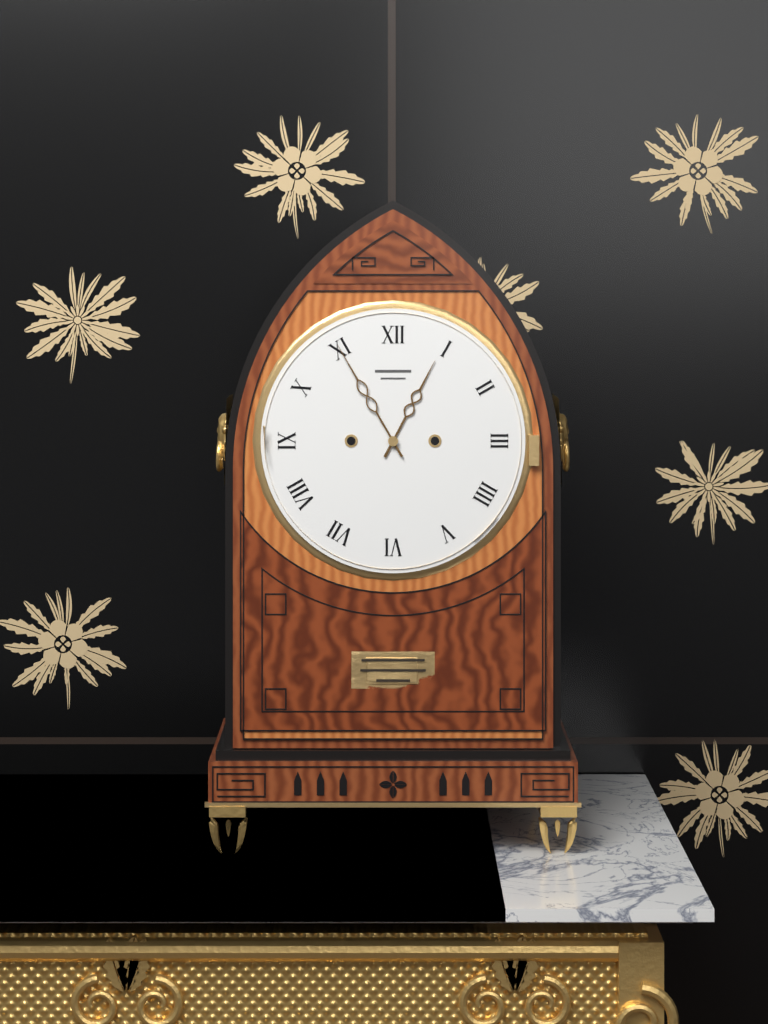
{"hour": 12, "minute": 55}
